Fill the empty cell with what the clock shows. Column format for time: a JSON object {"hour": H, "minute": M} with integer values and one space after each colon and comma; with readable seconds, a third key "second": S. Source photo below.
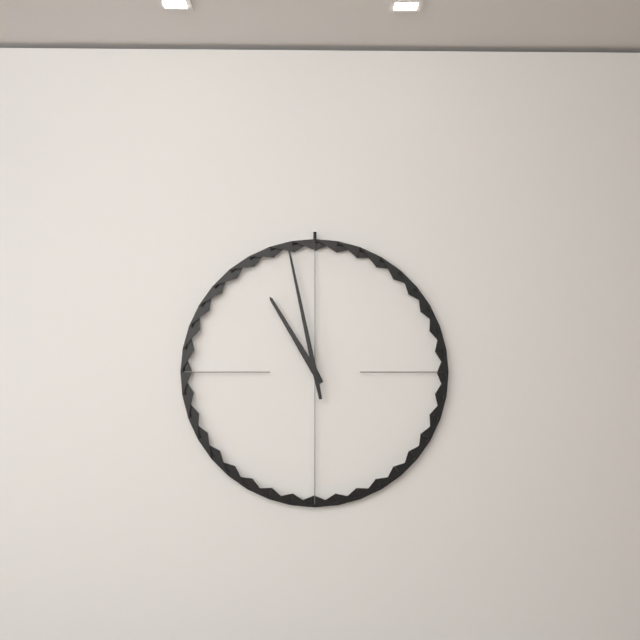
{"hour": 10, "minute": 58}
